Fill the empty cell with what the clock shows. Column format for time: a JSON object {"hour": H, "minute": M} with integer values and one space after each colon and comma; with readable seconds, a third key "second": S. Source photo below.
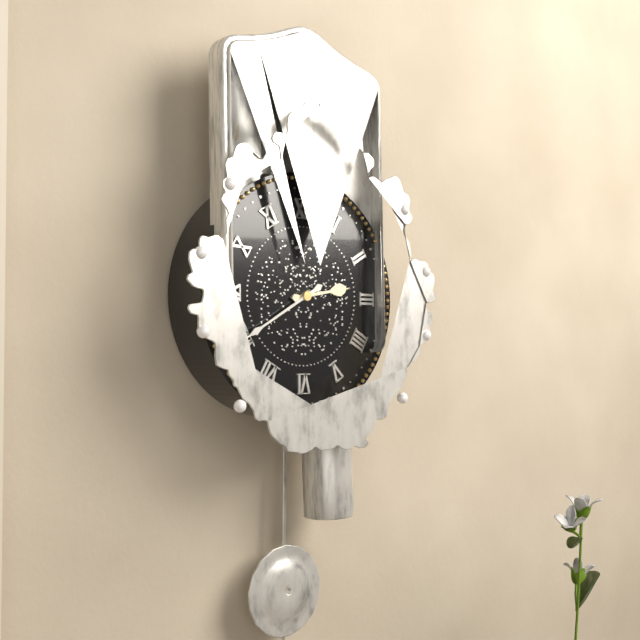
{"hour": 2, "minute": 40}
